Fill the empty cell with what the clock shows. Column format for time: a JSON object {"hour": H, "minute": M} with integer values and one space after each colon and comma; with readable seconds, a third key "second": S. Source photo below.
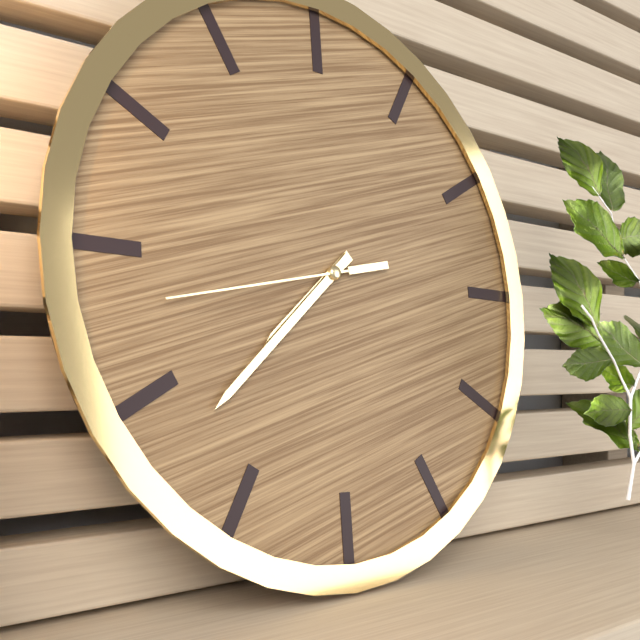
{"hour": 7, "minute": 38, "second": 43}
